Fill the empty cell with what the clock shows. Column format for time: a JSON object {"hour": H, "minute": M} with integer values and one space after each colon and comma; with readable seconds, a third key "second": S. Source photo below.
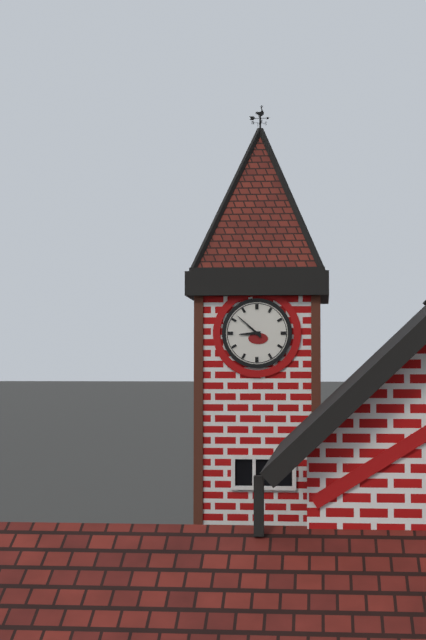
{"hour": 8, "minute": 52}
